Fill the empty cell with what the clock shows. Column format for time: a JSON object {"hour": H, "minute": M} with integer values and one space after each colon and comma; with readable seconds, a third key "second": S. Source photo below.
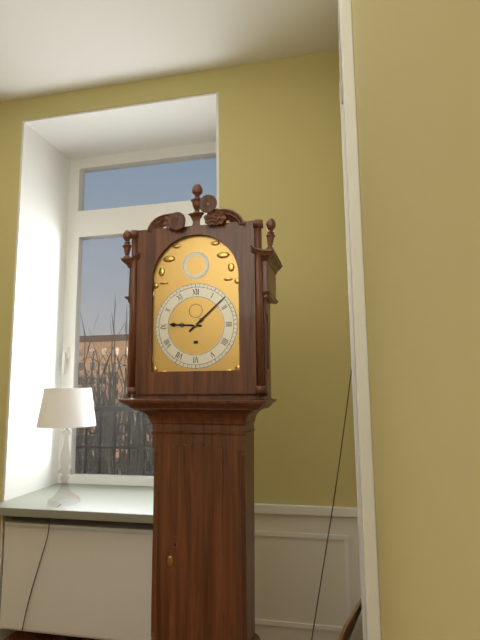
{"hour": 9, "minute": 8}
